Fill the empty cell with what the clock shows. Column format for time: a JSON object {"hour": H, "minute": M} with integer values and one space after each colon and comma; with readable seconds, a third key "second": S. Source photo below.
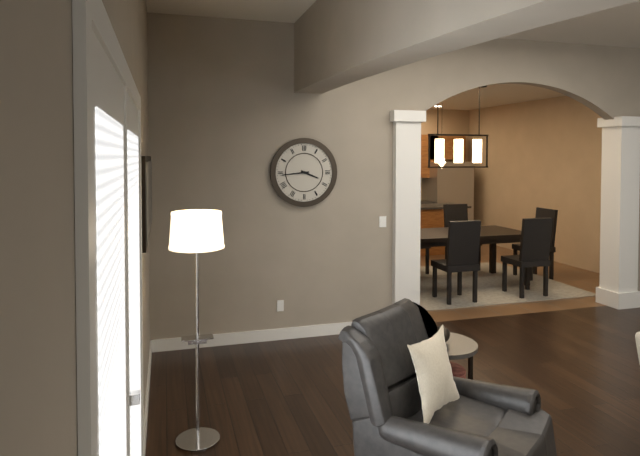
{"hour": 3, "minute": 44}
